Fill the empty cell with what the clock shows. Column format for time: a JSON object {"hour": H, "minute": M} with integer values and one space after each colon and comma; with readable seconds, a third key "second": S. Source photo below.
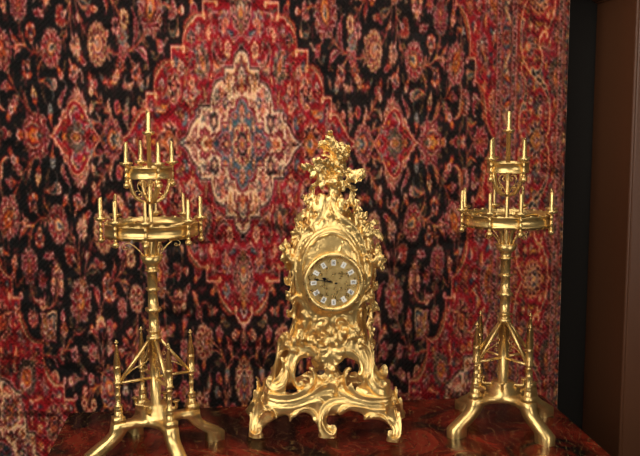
{"hour": 9, "minute": 47}
